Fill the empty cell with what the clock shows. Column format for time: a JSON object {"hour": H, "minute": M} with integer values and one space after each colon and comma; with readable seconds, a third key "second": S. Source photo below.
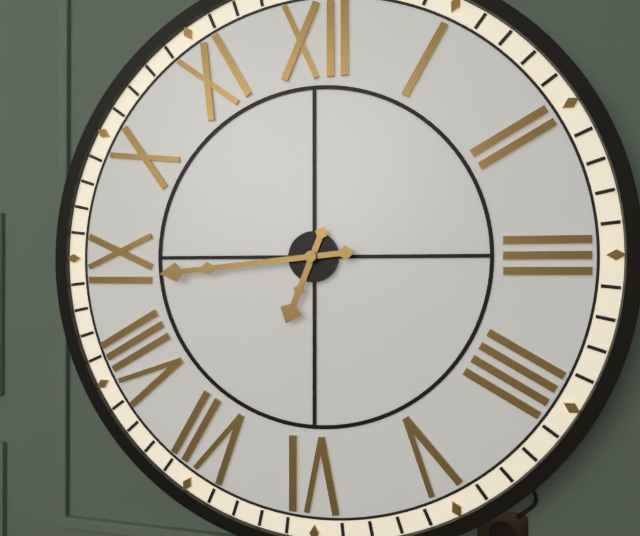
{"hour": 6, "minute": 44}
